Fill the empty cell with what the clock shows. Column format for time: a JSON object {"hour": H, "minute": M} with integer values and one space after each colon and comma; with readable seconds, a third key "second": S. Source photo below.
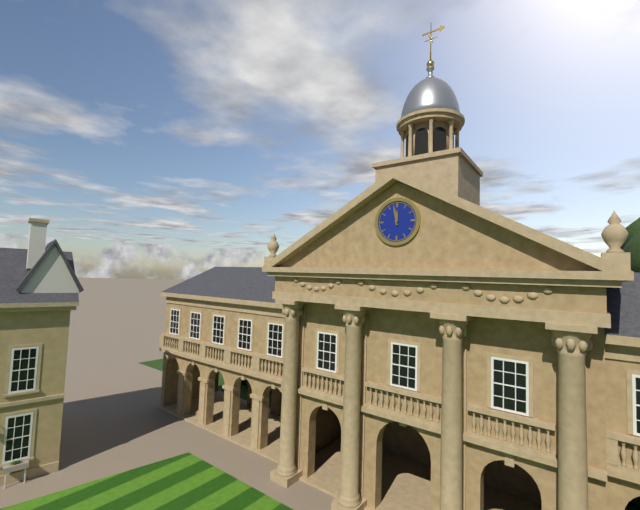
{"hour": 11, "minute": 58}
